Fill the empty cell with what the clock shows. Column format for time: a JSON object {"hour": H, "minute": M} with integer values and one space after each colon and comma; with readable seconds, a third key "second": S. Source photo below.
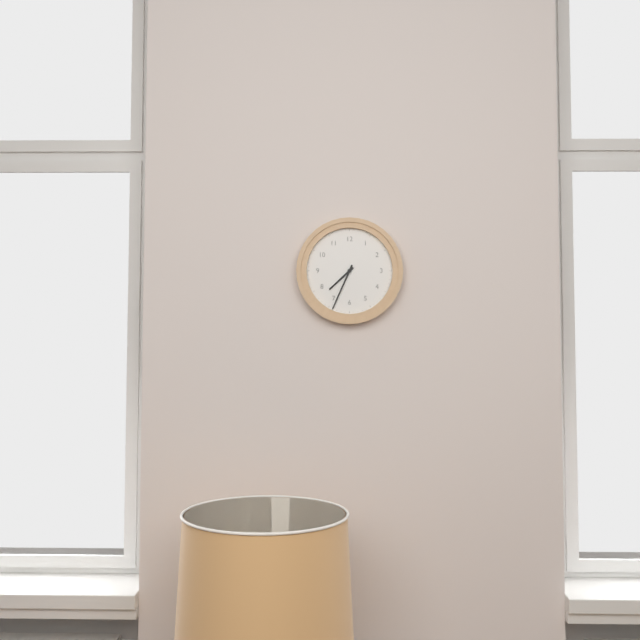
{"hour": 7, "minute": 34}
